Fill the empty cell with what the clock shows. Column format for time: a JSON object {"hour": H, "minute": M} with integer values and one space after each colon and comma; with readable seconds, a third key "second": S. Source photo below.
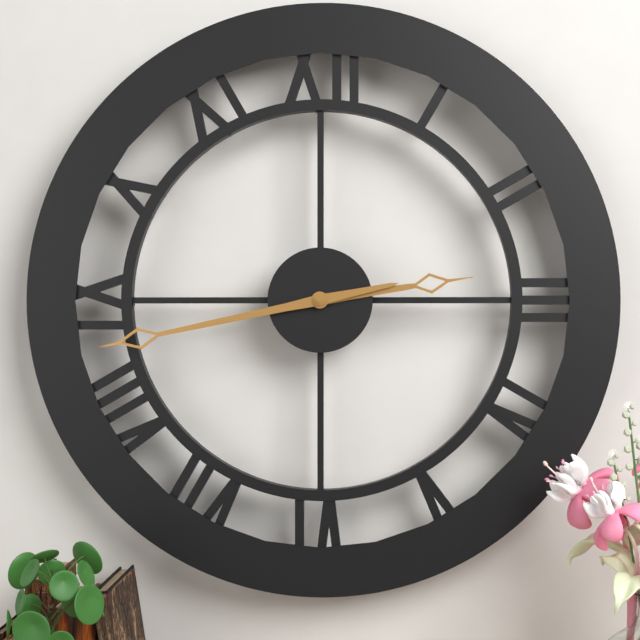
{"hour": 2, "minute": 43}
